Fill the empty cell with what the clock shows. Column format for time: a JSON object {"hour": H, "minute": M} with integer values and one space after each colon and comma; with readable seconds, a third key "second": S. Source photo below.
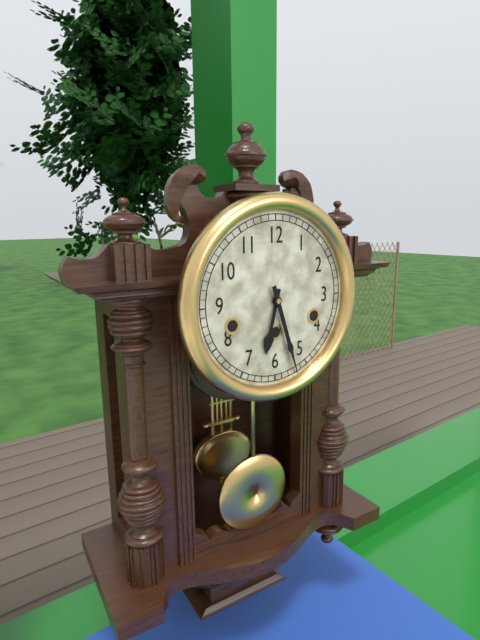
{"hour": 6, "minute": 27}
